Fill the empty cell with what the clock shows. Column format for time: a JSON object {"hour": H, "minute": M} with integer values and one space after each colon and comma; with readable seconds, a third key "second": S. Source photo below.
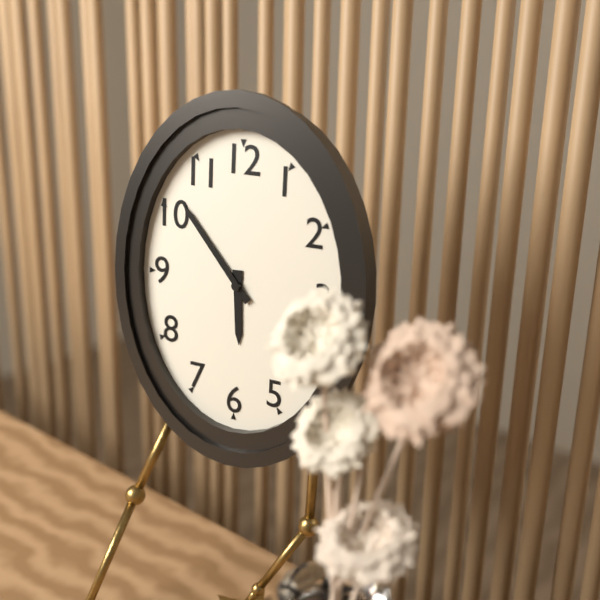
{"hour": 5, "minute": 53}
